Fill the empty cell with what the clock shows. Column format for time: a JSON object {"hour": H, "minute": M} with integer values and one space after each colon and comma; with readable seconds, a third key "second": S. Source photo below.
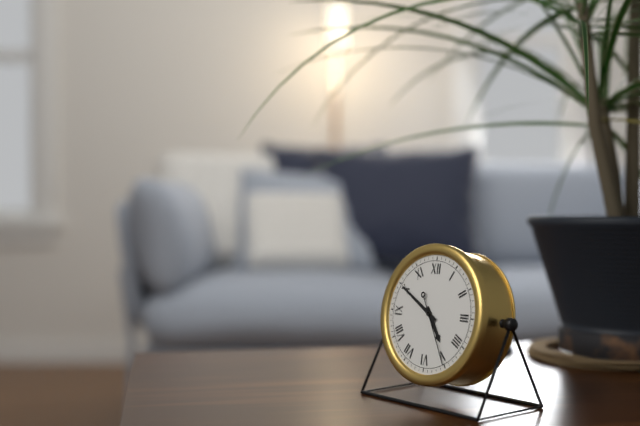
{"hour": 4, "minute": 50, "second": 25}
